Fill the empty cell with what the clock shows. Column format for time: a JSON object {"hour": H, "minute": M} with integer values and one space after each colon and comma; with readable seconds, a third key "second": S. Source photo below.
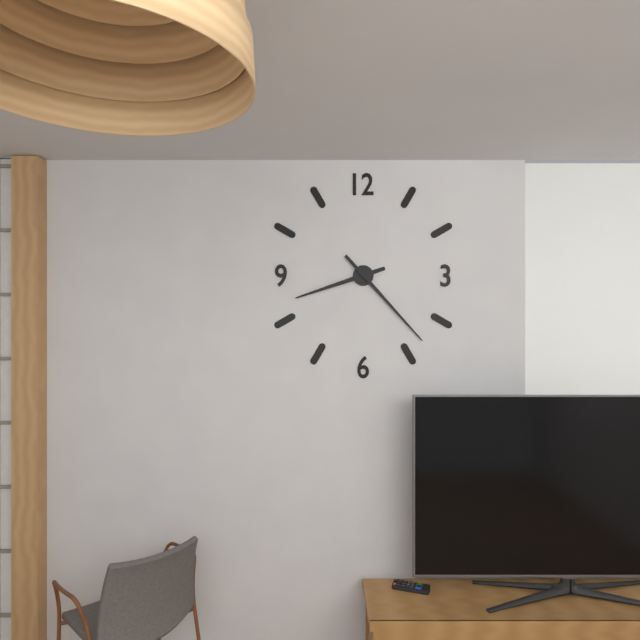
{"hour": 8, "minute": 23}
